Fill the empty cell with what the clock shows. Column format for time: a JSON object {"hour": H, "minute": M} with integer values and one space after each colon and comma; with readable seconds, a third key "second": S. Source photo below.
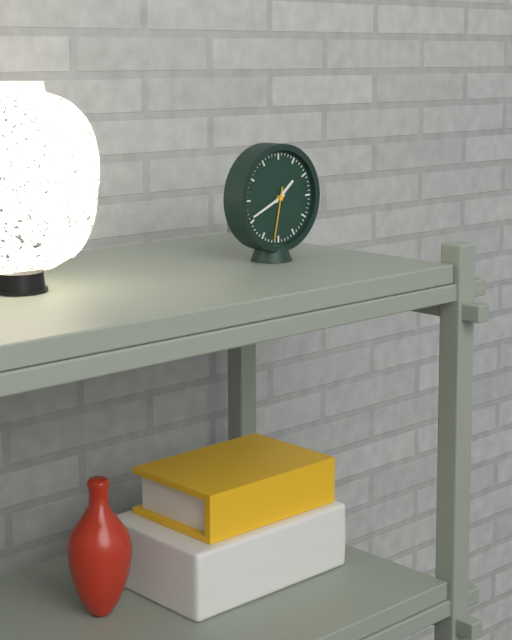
{"hour": 1, "minute": 41, "second": 32}
